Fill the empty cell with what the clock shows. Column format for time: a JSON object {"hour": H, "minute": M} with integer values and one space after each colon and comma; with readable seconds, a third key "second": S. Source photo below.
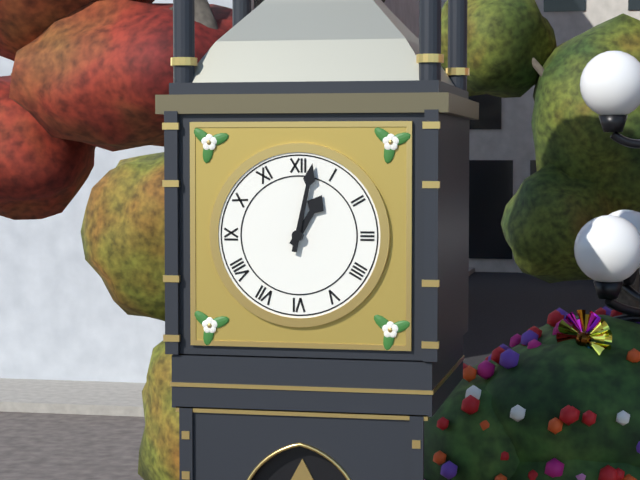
{"hour": 1, "minute": 2}
